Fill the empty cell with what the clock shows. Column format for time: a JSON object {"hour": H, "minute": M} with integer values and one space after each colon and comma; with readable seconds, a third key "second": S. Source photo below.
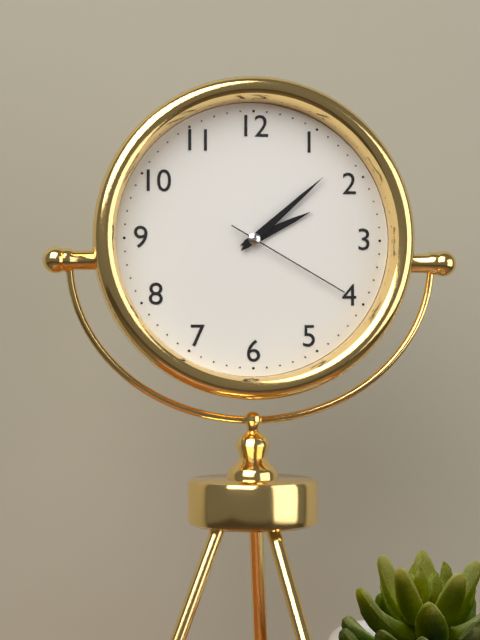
{"hour": 2, "minute": 8, "second": 20}
